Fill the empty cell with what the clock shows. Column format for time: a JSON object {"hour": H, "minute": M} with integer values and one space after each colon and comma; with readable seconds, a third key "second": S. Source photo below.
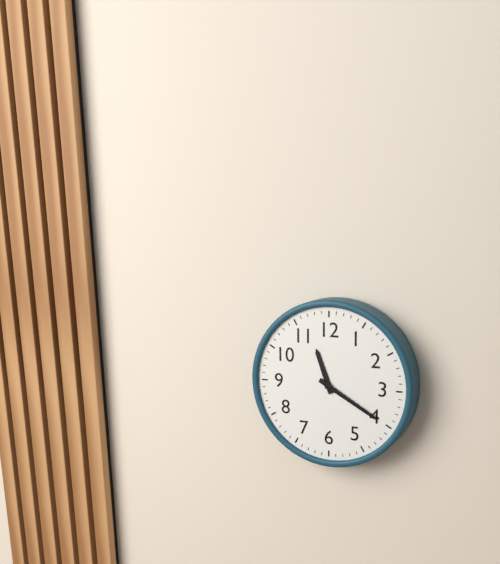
{"hour": 11, "minute": 20}
